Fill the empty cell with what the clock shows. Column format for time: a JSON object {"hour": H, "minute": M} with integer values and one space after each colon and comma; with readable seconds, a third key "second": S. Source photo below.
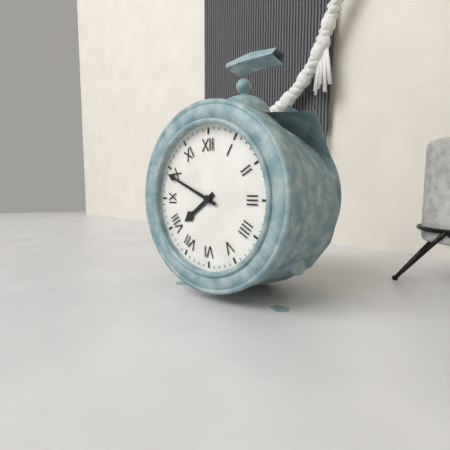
{"hour": 7, "minute": 49}
